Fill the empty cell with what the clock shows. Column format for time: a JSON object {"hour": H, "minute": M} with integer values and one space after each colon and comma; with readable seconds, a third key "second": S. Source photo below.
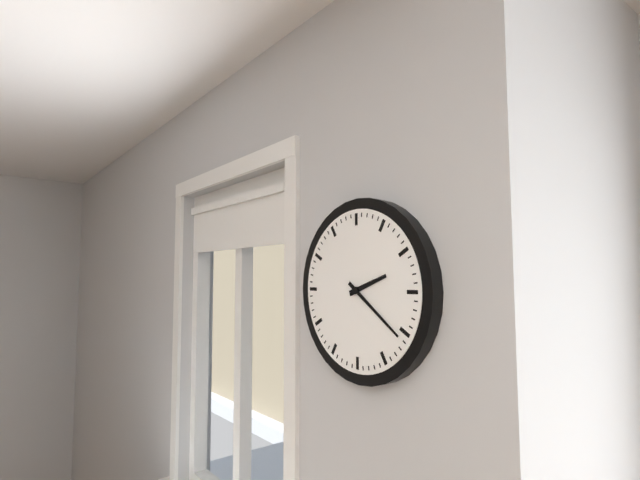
{"hour": 2, "minute": 21}
